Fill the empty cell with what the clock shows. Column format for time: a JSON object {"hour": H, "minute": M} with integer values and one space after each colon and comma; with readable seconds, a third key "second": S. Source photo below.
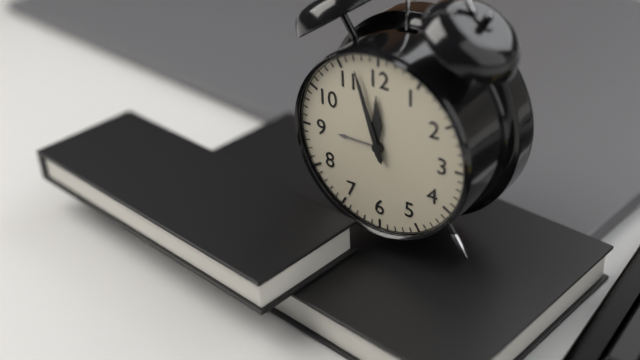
{"hour": 11, "minute": 57}
